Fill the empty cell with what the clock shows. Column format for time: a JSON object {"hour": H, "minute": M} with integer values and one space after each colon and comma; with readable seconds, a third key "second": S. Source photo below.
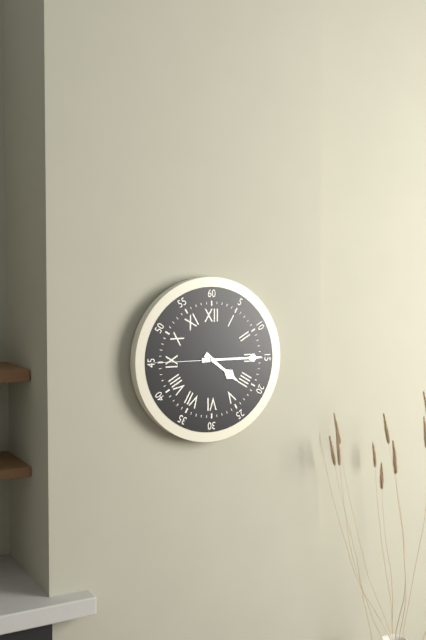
{"hour": 4, "minute": 15, "second": 45}
